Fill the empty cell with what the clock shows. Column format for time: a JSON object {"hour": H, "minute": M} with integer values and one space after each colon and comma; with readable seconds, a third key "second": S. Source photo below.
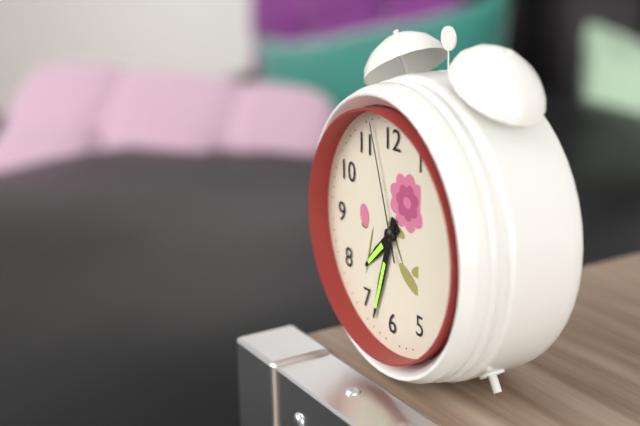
{"hour": 7, "minute": 33, "second": 57}
